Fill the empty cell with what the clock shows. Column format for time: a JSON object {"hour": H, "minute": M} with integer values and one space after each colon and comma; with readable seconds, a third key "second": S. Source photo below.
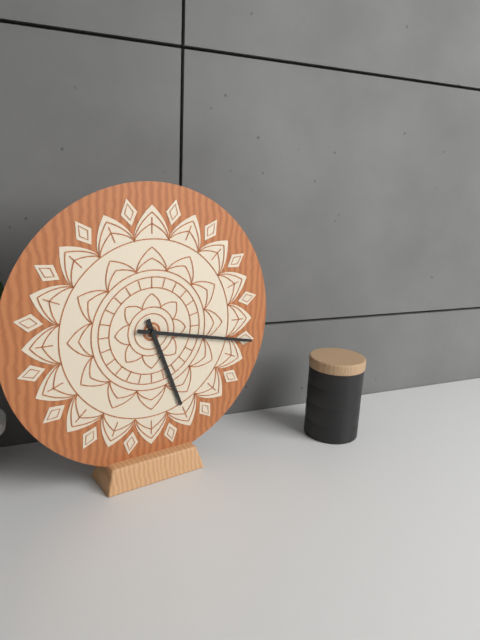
{"hour": 5, "minute": 17}
